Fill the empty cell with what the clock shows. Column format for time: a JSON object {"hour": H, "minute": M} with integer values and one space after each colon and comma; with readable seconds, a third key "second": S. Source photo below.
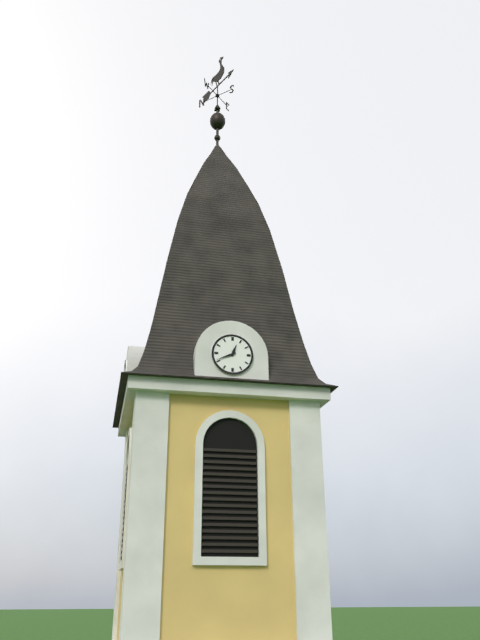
{"hour": 12, "minute": 41}
